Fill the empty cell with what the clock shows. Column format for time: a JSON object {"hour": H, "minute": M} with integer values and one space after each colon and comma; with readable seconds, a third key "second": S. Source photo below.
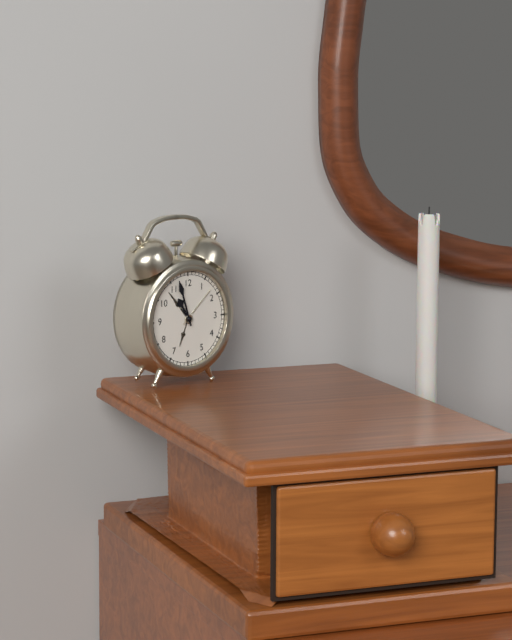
{"hour": 10, "minute": 57}
